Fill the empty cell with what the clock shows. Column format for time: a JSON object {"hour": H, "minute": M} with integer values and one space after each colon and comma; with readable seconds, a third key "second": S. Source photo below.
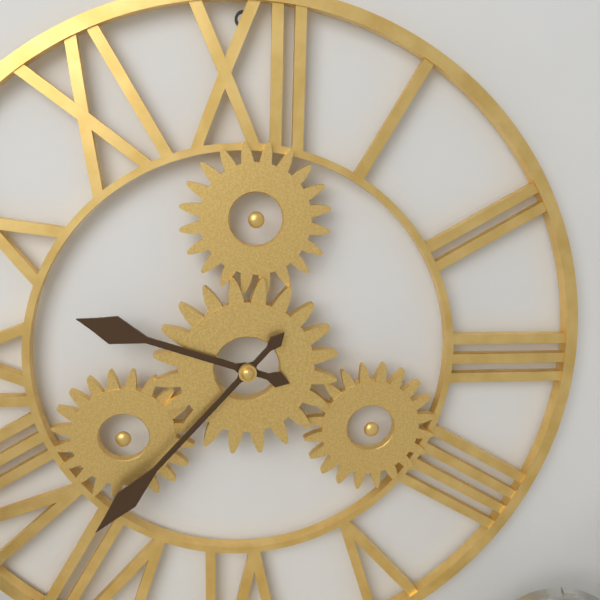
{"hour": 9, "minute": 37}
